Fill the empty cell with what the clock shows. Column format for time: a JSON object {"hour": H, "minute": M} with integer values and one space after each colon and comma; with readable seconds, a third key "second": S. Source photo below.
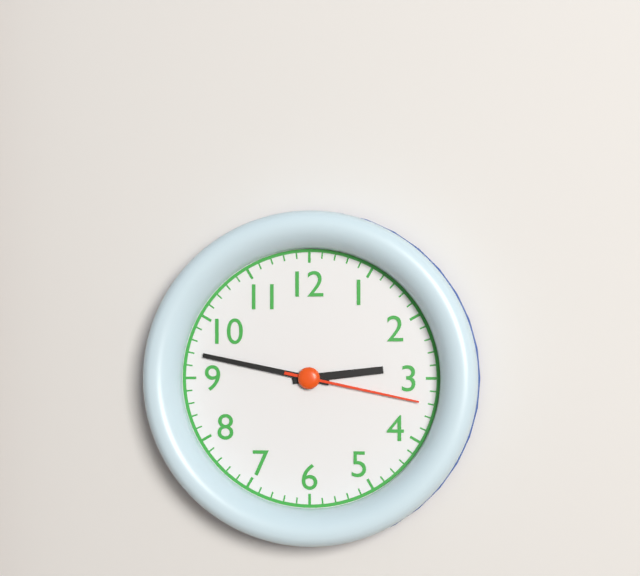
{"hour": 2, "minute": 47, "second": 17}
